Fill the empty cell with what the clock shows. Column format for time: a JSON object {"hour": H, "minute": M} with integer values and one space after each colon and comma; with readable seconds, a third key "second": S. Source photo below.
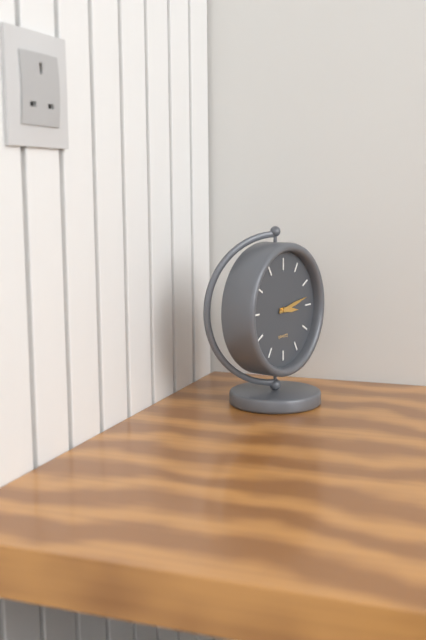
{"hour": 3, "minute": 13}
